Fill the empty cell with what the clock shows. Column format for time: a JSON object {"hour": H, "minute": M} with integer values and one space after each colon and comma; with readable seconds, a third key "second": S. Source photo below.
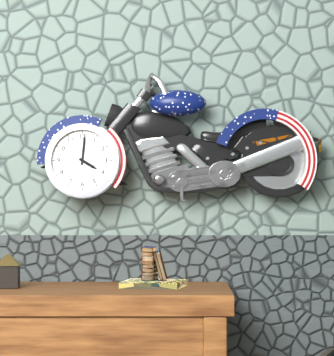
{"hour": 4, "minute": 1}
